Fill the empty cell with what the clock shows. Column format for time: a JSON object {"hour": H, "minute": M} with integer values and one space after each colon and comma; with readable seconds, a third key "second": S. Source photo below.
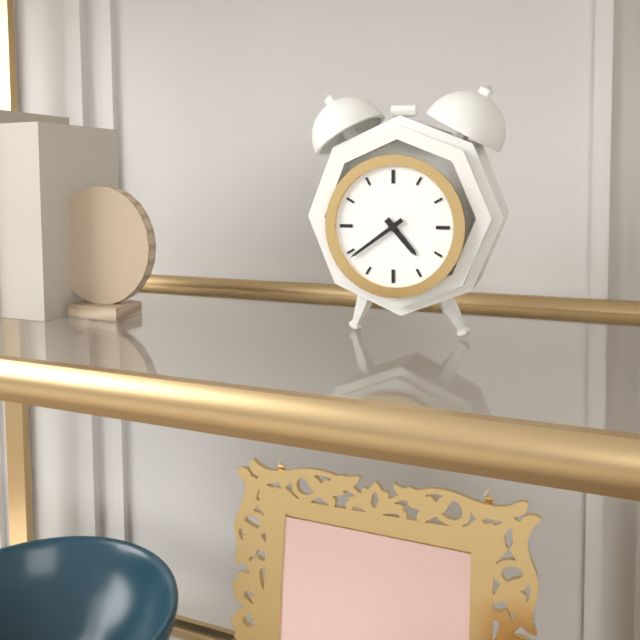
{"hour": 4, "minute": 39}
